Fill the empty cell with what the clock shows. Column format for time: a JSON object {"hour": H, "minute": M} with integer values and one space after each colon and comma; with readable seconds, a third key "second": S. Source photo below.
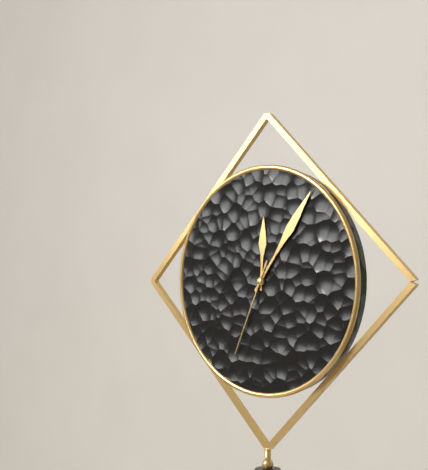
{"hour": 12, "minute": 6, "second": 34}
